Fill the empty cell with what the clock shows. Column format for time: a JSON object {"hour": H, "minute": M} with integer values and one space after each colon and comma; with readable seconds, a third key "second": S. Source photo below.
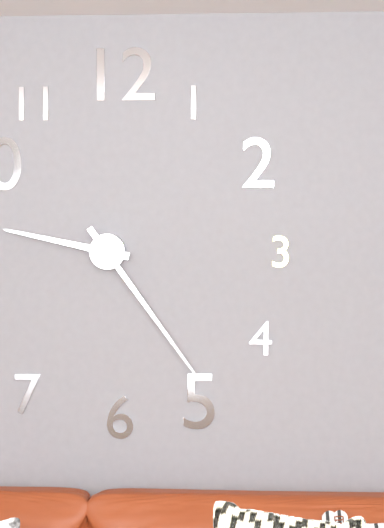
{"hour": 9, "minute": 24}
